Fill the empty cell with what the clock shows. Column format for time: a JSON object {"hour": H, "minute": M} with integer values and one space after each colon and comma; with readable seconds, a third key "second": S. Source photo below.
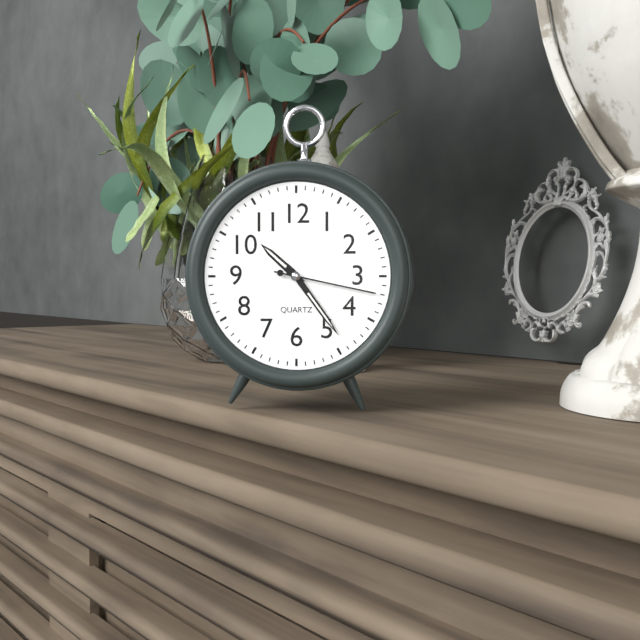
{"hour": 10, "minute": 24, "second": 17}
